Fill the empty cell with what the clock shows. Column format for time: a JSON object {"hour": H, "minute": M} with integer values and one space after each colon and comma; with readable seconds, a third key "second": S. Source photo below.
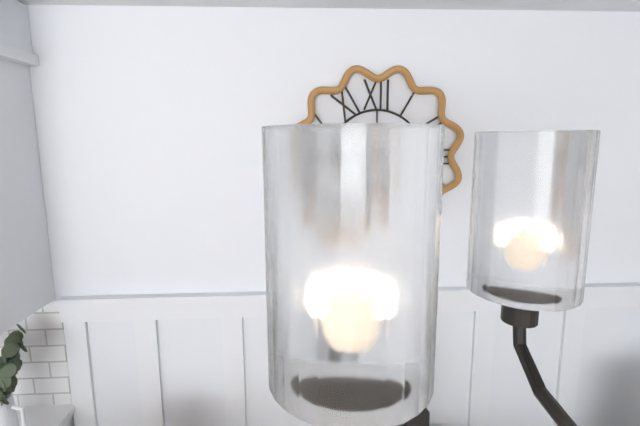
{"hour": 11, "minute": 37}
